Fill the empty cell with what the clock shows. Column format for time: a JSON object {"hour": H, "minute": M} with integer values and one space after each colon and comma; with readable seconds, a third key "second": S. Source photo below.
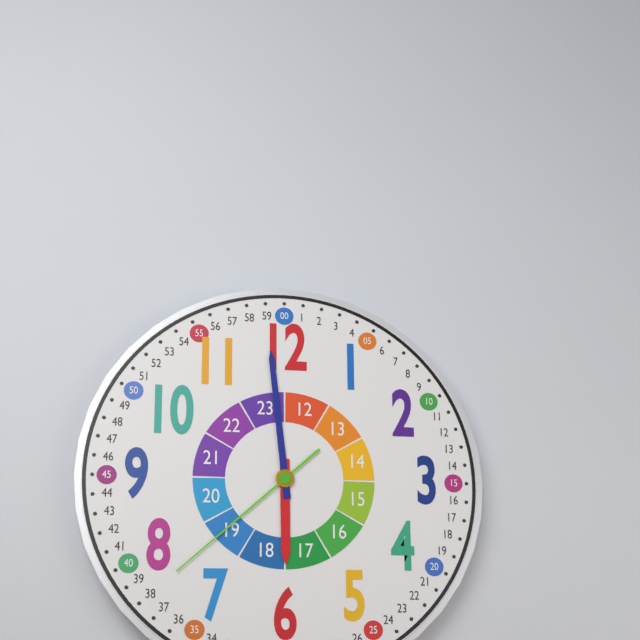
{"hour": 5, "minute": 59, "second": 38}
